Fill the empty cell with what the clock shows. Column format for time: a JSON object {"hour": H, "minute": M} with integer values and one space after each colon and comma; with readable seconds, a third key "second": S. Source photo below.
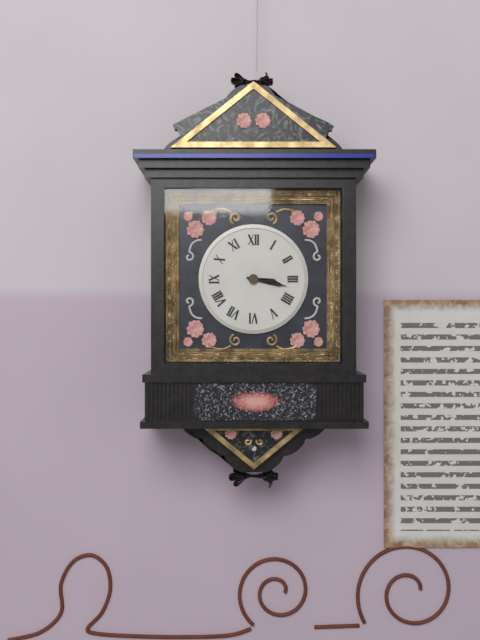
{"hour": 3, "minute": 17}
